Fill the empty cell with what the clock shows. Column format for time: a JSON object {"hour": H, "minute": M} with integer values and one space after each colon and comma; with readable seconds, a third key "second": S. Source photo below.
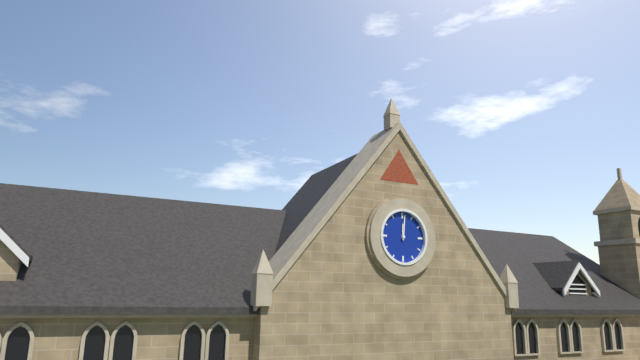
{"hour": 12, "minute": 1}
